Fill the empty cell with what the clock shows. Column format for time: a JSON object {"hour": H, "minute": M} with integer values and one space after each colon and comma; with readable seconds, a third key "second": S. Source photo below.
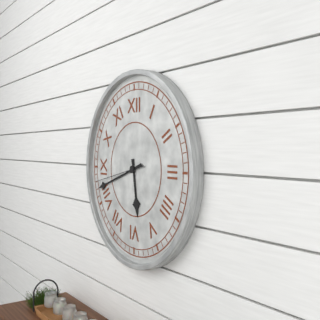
{"hour": 5, "minute": 42}
